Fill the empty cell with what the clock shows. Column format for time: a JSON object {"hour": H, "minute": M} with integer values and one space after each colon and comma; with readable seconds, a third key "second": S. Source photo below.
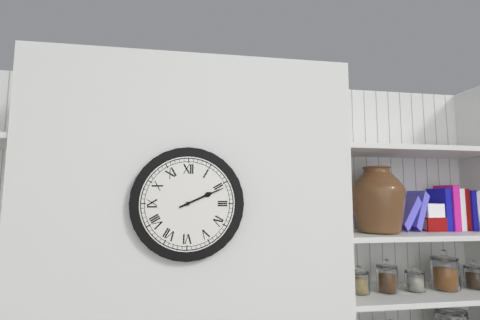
{"hour": 2, "minute": 11}
